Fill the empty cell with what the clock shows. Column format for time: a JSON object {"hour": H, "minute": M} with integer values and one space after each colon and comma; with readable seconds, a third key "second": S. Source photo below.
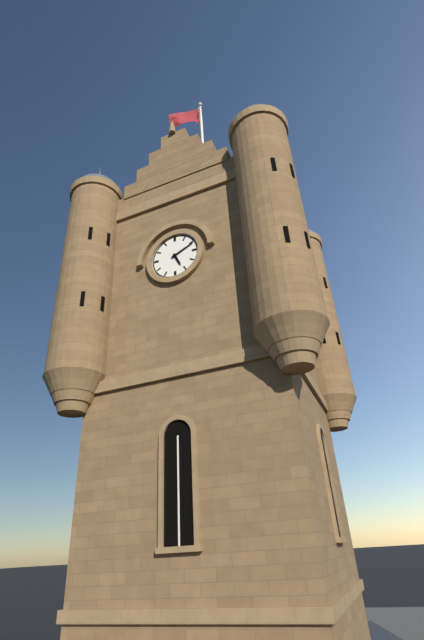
{"hour": 5, "minute": 11}
